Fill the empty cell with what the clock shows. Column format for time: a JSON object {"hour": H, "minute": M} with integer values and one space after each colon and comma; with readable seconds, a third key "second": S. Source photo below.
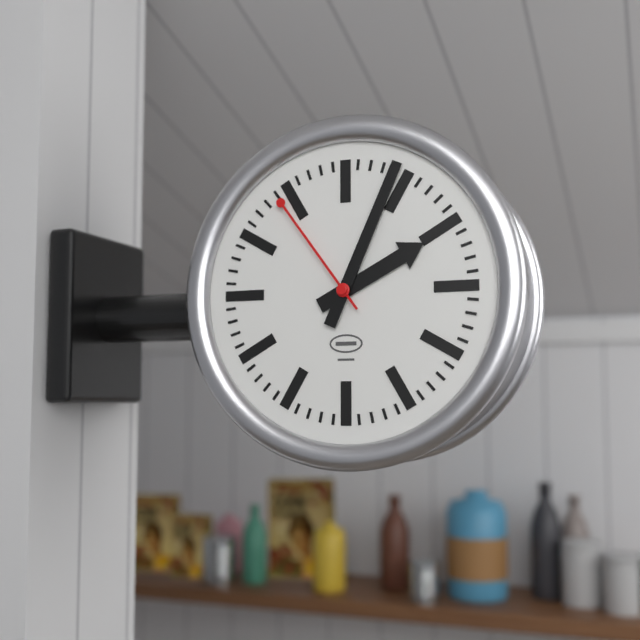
{"hour": 2, "minute": 4, "second": 54}
